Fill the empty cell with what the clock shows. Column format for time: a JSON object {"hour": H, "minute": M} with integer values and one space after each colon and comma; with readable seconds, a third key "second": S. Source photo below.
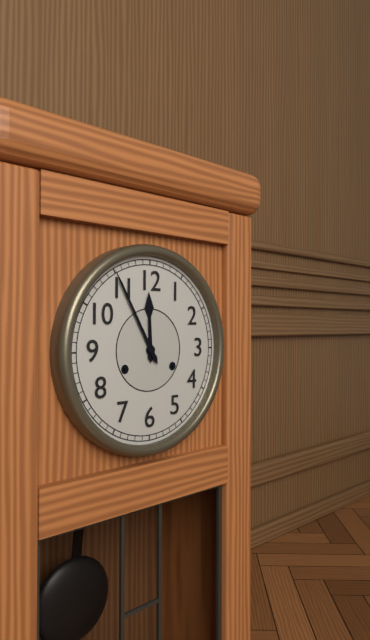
{"hour": 11, "minute": 55}
